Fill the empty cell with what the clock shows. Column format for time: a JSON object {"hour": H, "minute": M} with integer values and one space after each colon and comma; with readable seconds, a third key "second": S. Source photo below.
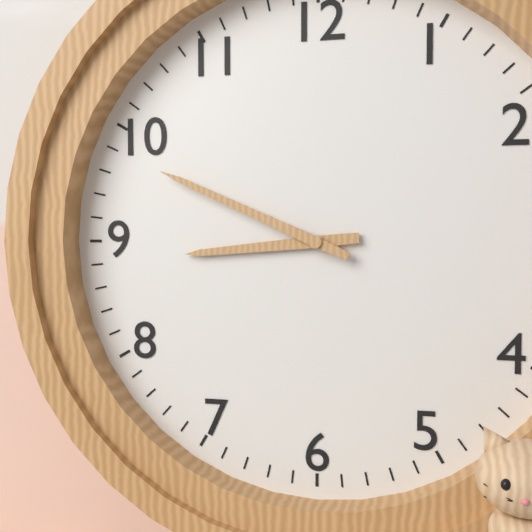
{"hour": 8, "minute": 49}
